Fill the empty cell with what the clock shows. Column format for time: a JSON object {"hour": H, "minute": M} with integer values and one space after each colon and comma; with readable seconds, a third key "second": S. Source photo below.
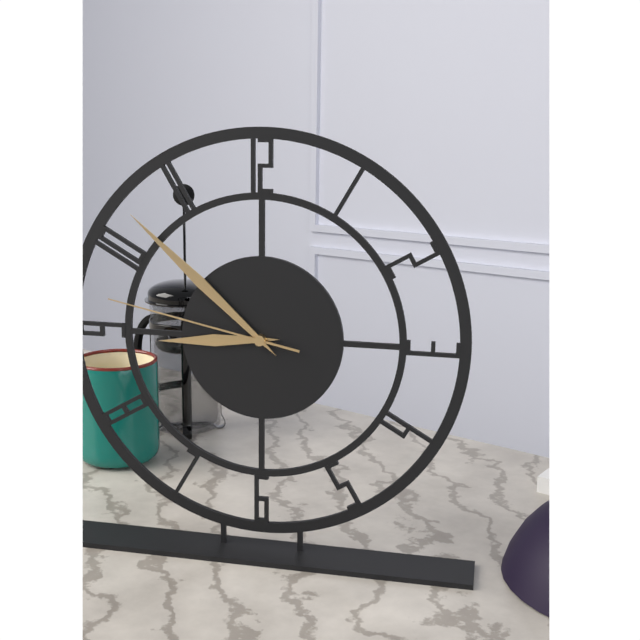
{"hour": 8, "minute": 52, "second": 47}
